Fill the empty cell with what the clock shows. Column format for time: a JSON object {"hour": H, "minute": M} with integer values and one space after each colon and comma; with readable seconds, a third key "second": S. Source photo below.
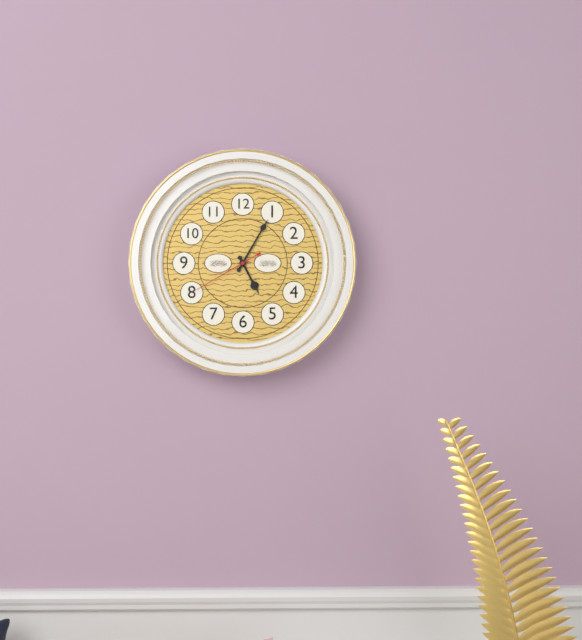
{"hour": 5, "minute": 5, "second": 40}
